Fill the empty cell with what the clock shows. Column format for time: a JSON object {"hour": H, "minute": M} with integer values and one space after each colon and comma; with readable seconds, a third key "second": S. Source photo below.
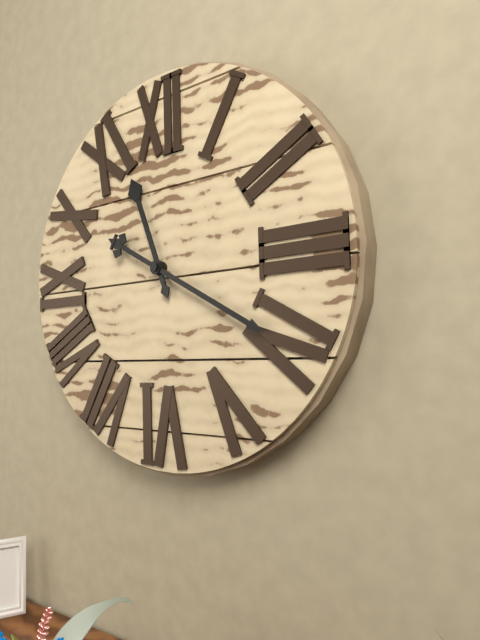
{"hour": 11, "minute": 20}
